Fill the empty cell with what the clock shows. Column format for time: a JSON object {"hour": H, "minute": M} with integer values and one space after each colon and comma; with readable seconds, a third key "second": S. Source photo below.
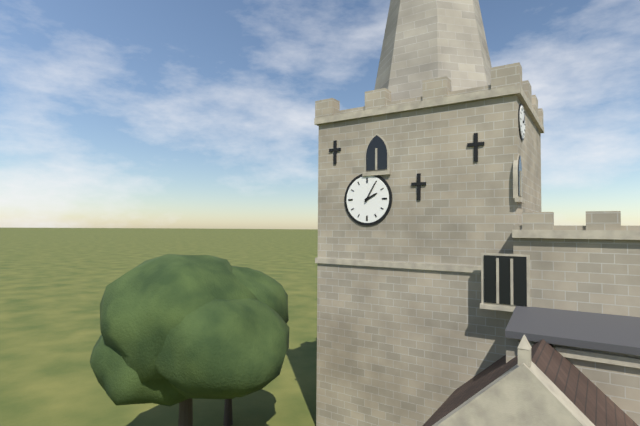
{"hour": 2, "minute": 5}
